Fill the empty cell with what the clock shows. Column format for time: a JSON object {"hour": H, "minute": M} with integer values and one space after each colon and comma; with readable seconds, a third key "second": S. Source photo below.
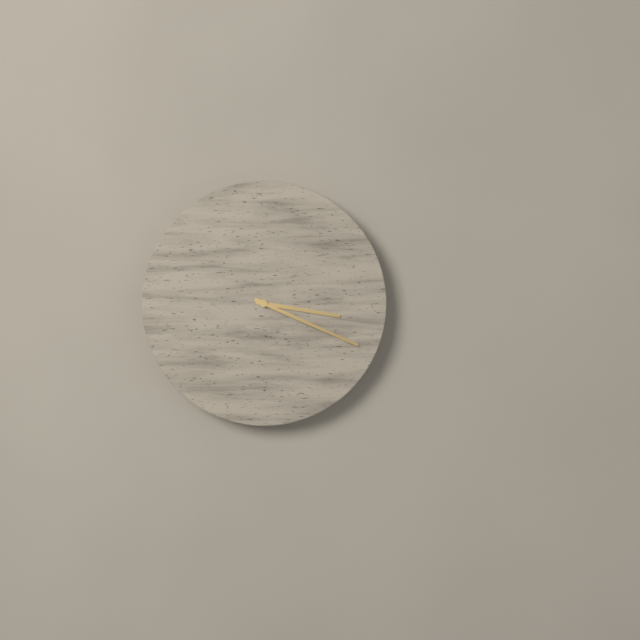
{"hour": 3, "minute": 19}
